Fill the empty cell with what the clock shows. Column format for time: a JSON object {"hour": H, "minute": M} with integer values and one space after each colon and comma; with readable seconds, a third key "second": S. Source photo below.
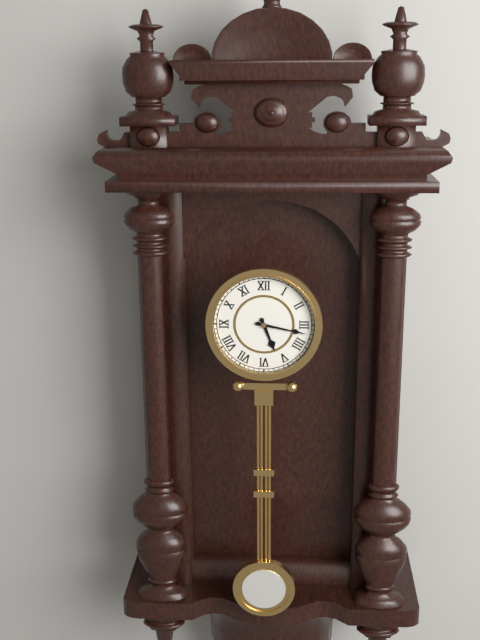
{"hour": 5, "minute": 17}
